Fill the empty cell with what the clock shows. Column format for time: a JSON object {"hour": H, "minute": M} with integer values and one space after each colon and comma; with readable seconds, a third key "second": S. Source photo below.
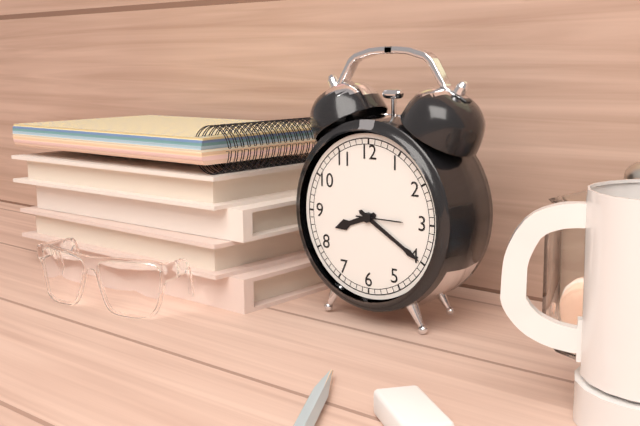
{"hour": 8, "minute": 20}
